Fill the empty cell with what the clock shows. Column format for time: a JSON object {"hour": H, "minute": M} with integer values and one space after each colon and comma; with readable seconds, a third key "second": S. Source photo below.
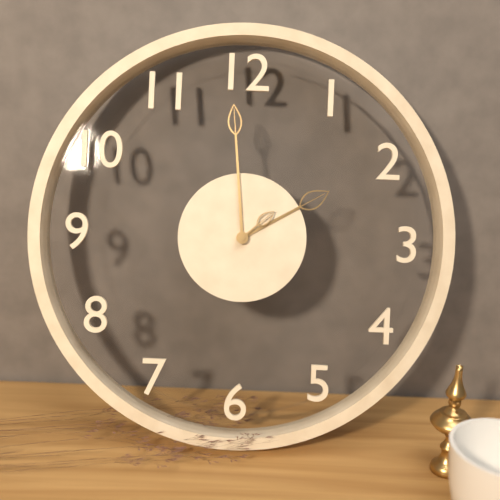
{"hour": 1, "minute": 59, "second": 8}
